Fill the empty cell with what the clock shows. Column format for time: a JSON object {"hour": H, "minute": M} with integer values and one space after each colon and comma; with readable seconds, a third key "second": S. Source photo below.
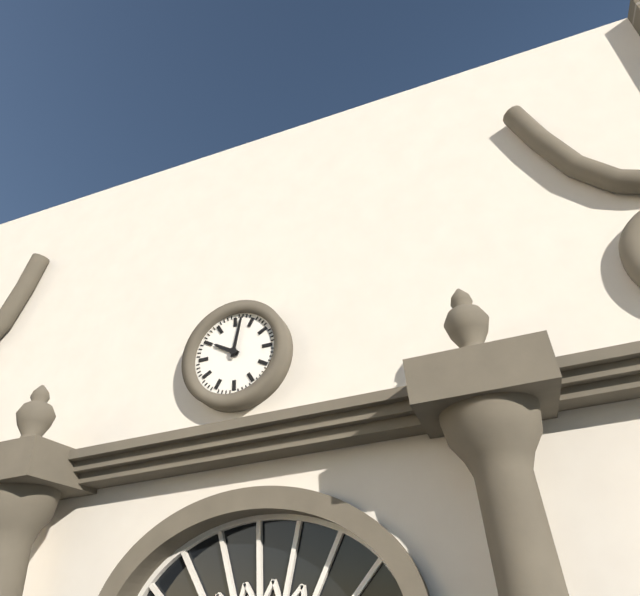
{"hour": 10, "minute": 2}
